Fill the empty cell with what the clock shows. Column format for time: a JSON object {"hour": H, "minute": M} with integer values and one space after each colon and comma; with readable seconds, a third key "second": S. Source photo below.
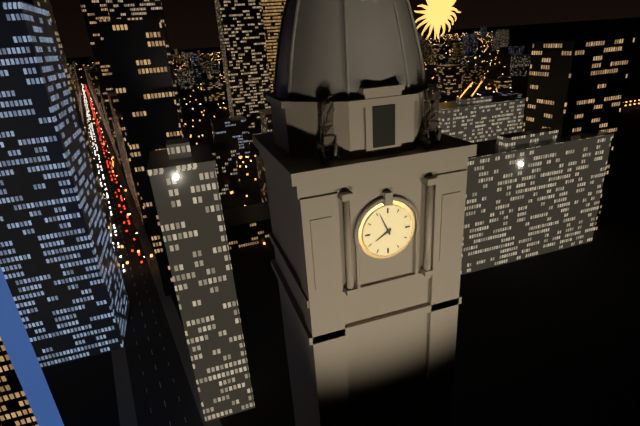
{"hour": 7, "minute": 56}
